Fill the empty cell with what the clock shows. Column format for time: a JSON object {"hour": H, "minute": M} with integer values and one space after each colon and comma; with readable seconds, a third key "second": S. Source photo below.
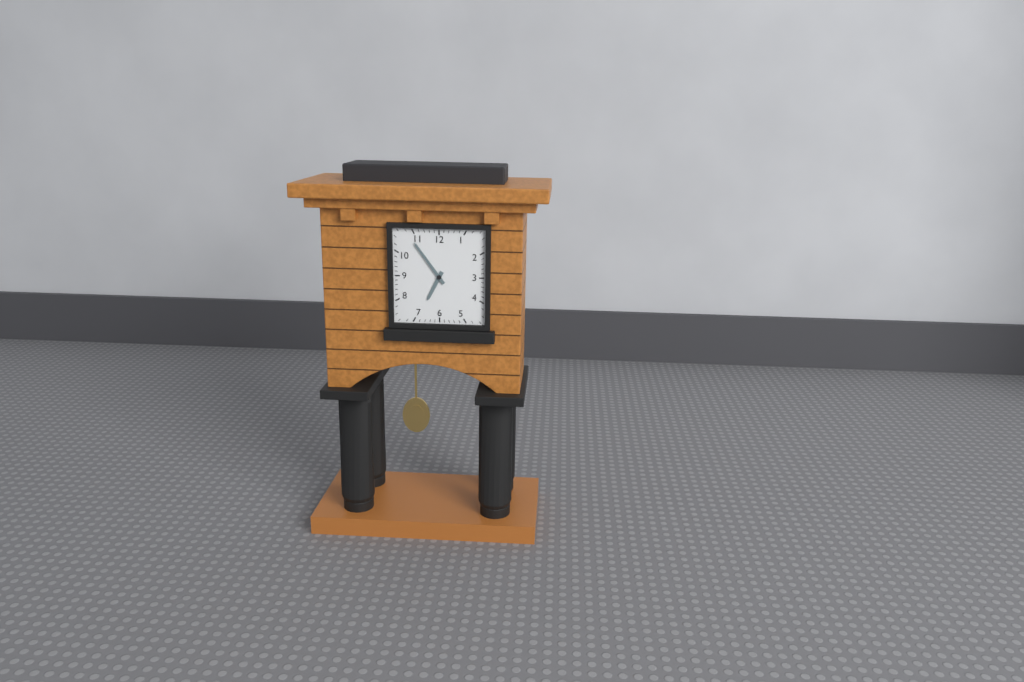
{"hour": 6, "minute": 54}
